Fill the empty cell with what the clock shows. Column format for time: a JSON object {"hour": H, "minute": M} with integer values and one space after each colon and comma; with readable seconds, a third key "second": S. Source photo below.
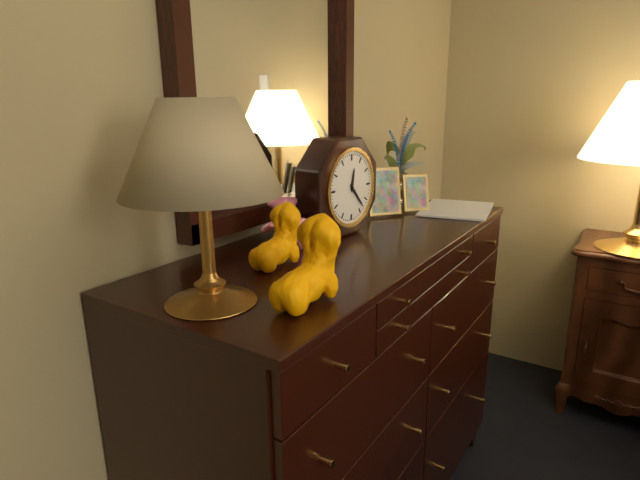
{"hour": 12, "minute": 23}
